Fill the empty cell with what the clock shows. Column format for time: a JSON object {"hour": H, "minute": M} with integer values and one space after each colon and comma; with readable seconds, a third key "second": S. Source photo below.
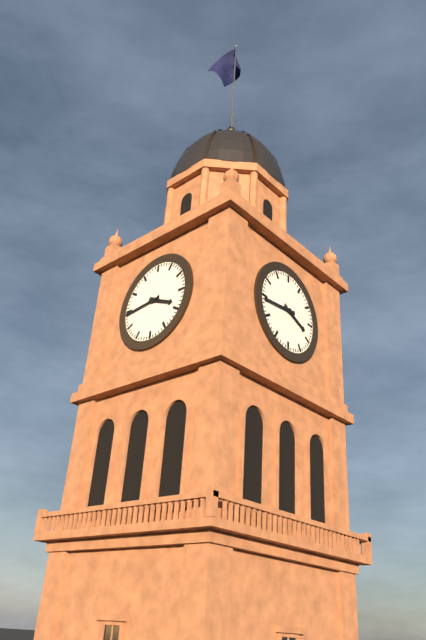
{"hour": 3, "minute": 44}
